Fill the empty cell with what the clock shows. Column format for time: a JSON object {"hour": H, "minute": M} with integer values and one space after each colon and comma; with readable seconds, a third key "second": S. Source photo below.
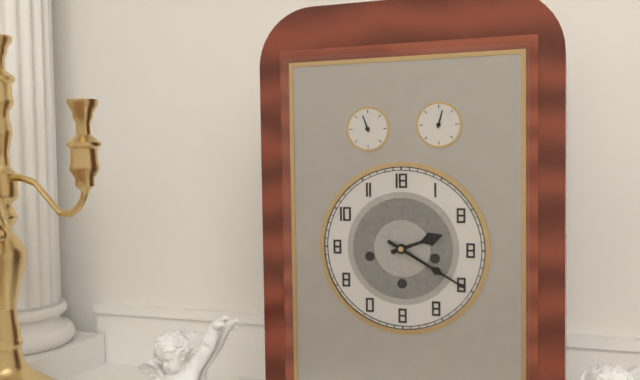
{"hour": 2, "minute": 20}
